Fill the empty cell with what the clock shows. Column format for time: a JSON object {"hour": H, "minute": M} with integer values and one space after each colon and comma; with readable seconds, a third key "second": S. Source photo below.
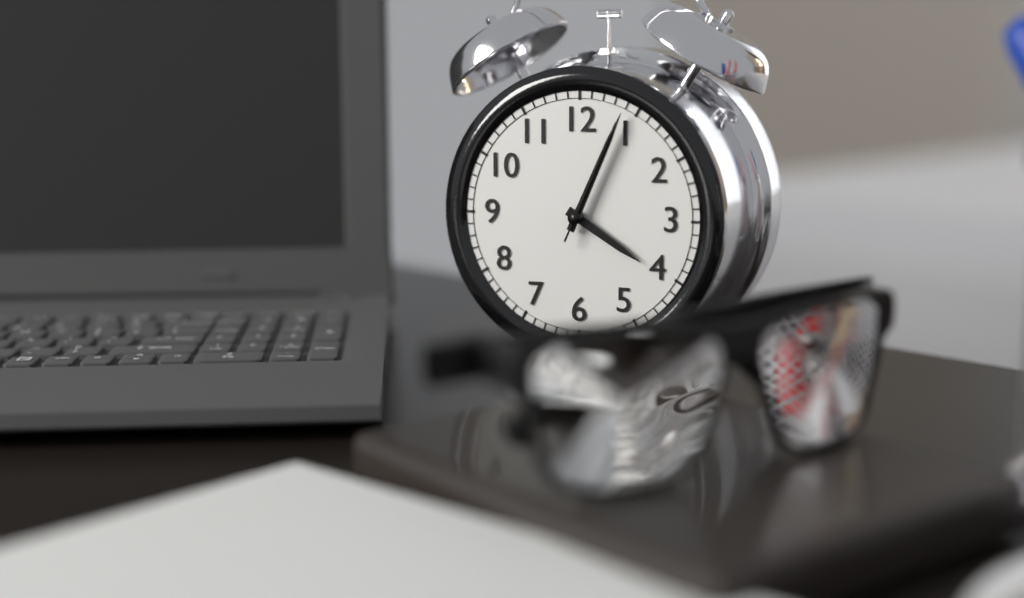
{"hour": 4, "minute": 4, "second": 4}
